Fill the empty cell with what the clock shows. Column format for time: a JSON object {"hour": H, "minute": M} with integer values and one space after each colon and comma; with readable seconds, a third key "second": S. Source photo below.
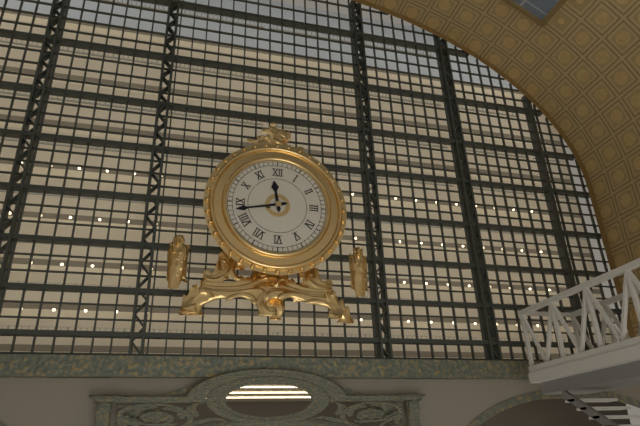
{"hour": 11, "minute": 43}
